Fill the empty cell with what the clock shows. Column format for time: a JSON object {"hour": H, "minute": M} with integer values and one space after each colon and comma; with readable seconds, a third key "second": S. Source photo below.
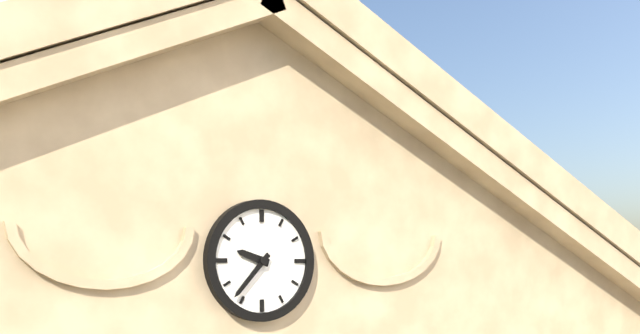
{"hour": 9, "minute": 37}
